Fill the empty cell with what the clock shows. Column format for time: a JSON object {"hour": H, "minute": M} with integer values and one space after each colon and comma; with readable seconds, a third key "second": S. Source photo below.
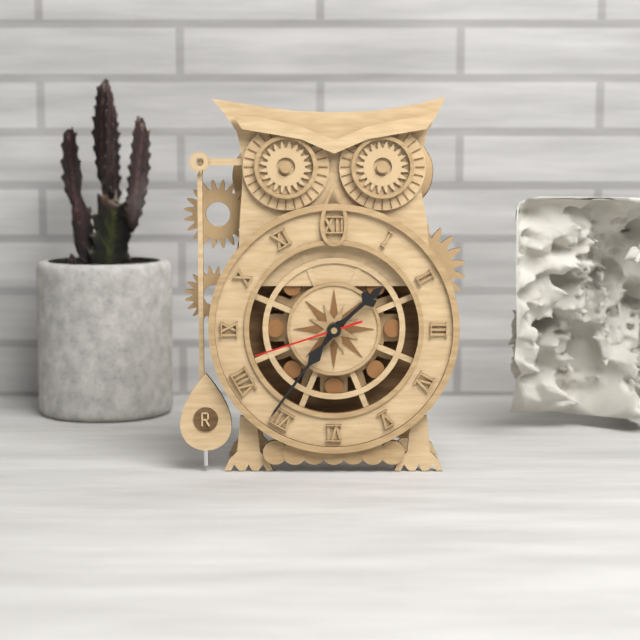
{"hour": 1, "minute": 36, "second": 42}
